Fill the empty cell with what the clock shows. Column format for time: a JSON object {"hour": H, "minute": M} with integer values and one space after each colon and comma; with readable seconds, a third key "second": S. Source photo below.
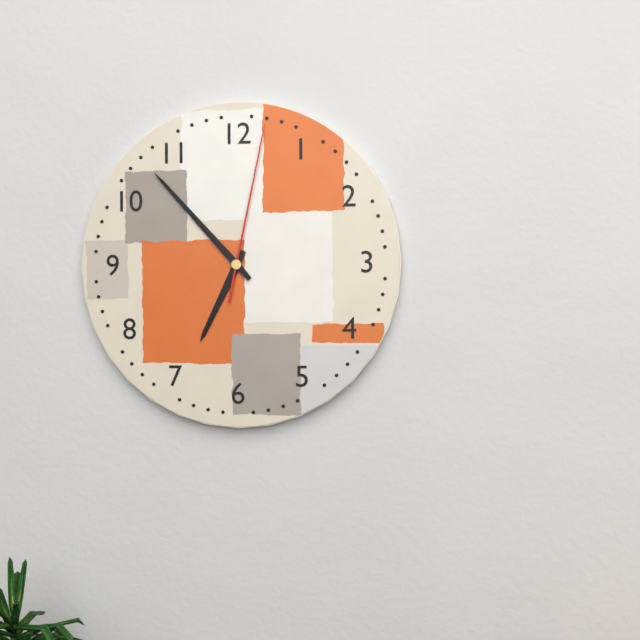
{"hour": 6, "minute": 53, "second": 2}
